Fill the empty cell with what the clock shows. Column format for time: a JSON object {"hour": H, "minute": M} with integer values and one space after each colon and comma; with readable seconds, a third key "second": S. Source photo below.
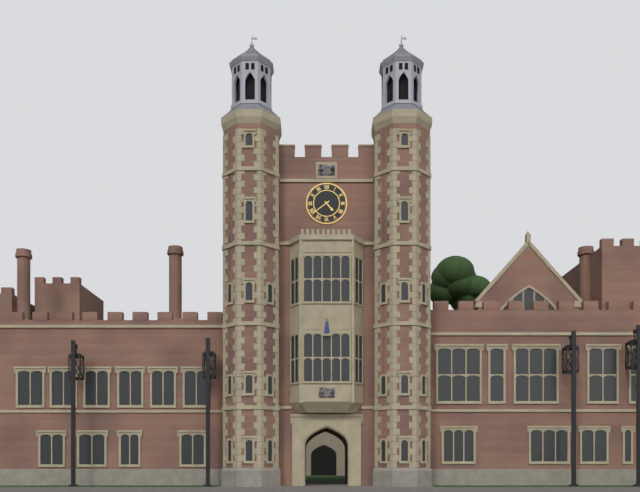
{"hour": 4, "minute": 39}
